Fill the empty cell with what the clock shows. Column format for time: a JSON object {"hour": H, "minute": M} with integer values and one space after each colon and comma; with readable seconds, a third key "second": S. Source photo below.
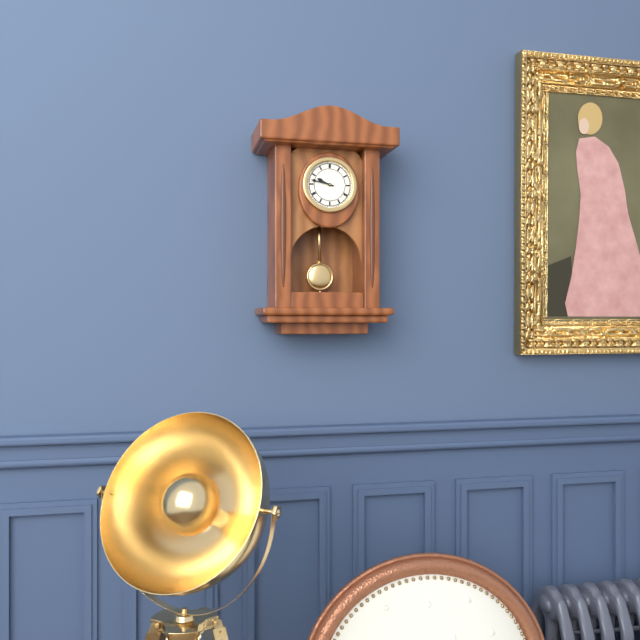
{"hour": 9, "minute": 47}
